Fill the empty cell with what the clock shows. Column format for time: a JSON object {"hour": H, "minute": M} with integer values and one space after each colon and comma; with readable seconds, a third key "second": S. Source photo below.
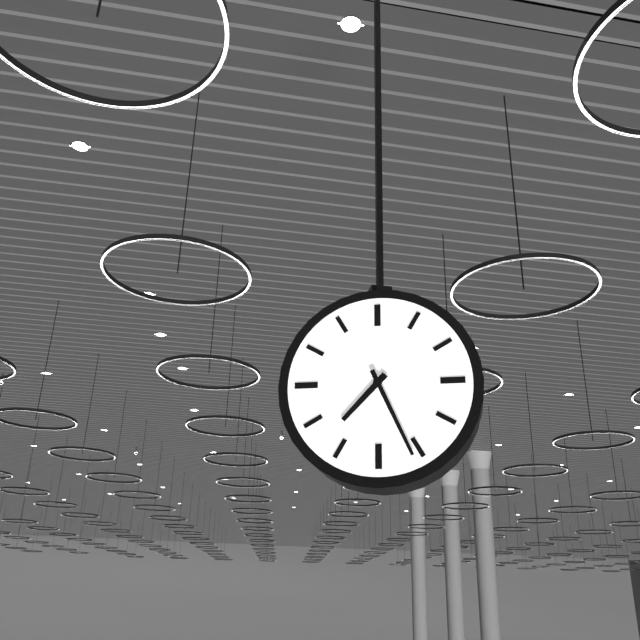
{"hour": 7, "minute": 26}
